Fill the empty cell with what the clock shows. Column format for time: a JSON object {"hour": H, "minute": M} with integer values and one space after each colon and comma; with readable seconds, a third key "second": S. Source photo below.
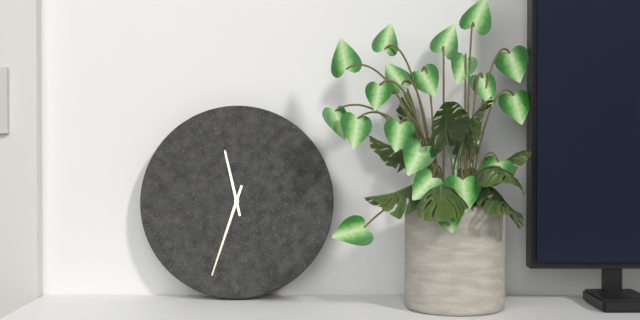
{"hour": 11, "minute": 33}
